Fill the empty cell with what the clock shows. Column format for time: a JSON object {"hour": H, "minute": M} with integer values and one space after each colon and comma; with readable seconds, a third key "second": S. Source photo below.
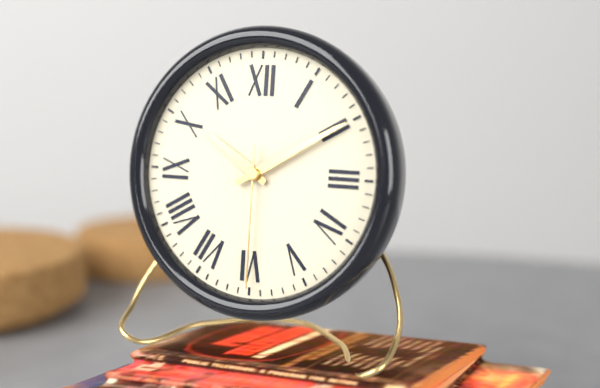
{"hour": 10, "minute": 10, "second": 30}
